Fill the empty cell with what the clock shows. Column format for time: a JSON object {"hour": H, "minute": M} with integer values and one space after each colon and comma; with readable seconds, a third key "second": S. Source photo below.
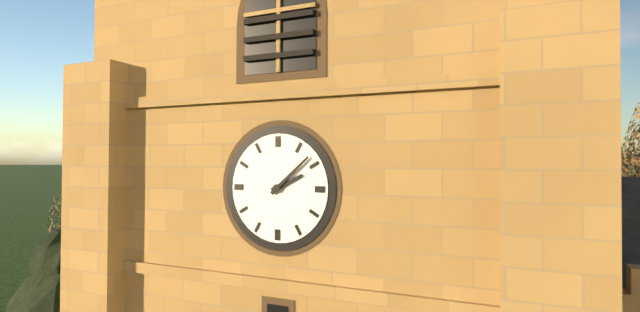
{"hour": 2, "minute": 8}
